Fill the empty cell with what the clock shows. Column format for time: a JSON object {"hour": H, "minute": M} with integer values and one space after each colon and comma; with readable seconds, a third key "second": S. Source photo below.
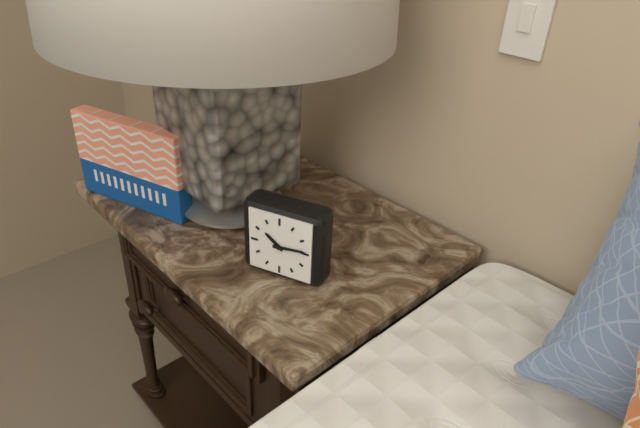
{"hour": 10, "minute": 14}
